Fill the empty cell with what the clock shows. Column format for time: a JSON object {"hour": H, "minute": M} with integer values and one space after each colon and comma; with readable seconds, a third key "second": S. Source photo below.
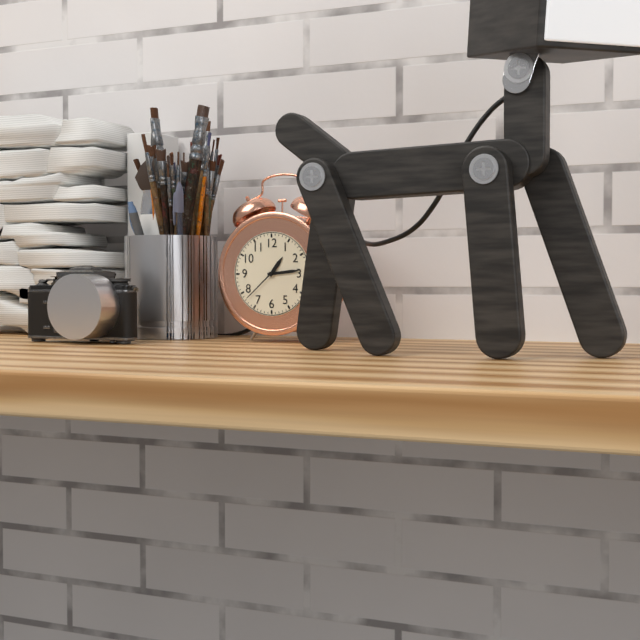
{"hour": 1, "minute": 14}
